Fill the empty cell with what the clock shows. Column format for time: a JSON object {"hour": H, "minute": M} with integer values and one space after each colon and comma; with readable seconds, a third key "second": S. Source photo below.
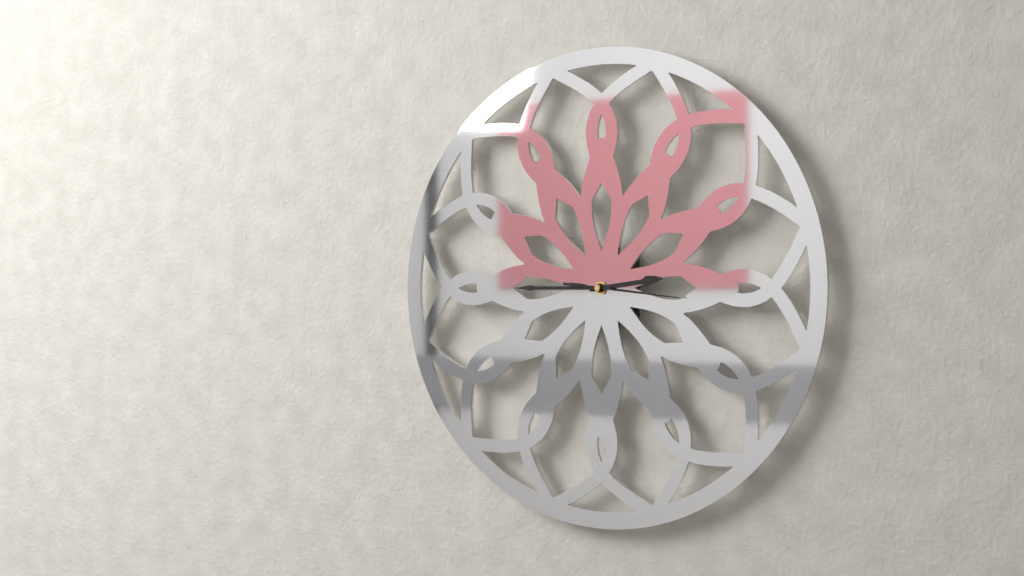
{"hour": 2, "minute": 45, "second": 16}
